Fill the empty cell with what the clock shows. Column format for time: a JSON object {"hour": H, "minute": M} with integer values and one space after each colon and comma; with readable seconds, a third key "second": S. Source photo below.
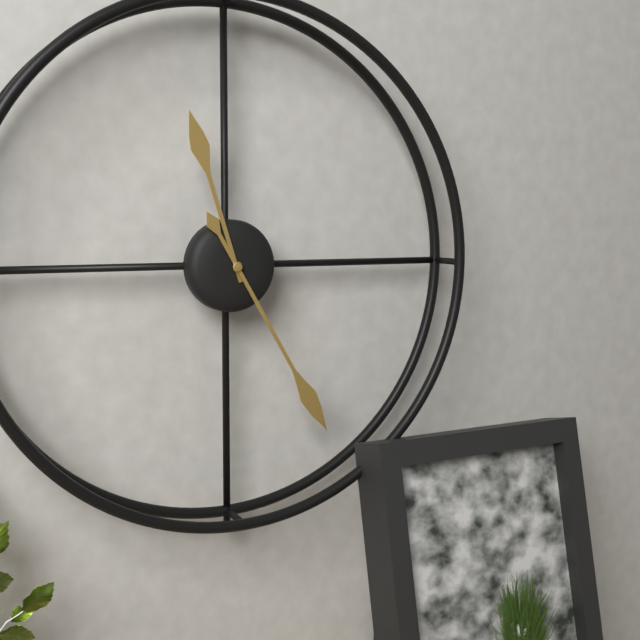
{"hour": 11, "minute": 25}
